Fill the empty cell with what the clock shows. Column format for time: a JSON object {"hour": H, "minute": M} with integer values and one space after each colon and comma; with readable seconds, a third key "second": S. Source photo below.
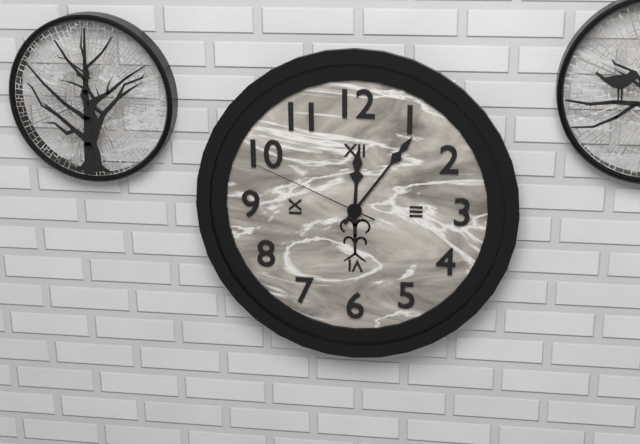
{"hour": 12, "minute": 6, "second": 49}
